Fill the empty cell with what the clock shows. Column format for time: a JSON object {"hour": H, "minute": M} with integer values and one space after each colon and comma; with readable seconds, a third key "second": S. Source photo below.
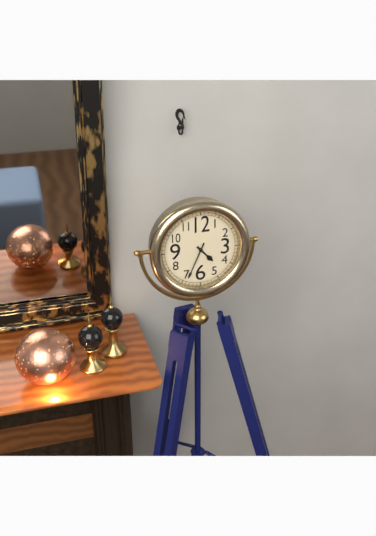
{"hour": 4, "minute": 34}
